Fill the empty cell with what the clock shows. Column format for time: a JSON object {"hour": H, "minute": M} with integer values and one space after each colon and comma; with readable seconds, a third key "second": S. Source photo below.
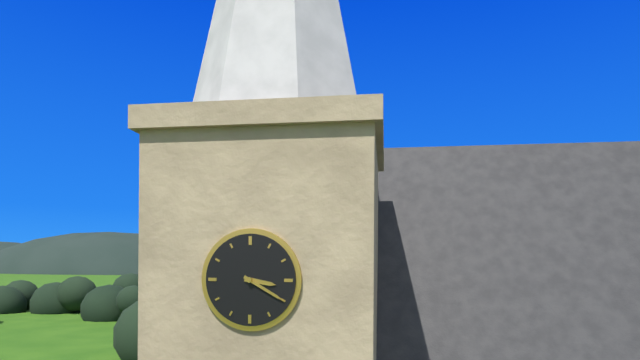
{"hour": 3, "minute": 20}
